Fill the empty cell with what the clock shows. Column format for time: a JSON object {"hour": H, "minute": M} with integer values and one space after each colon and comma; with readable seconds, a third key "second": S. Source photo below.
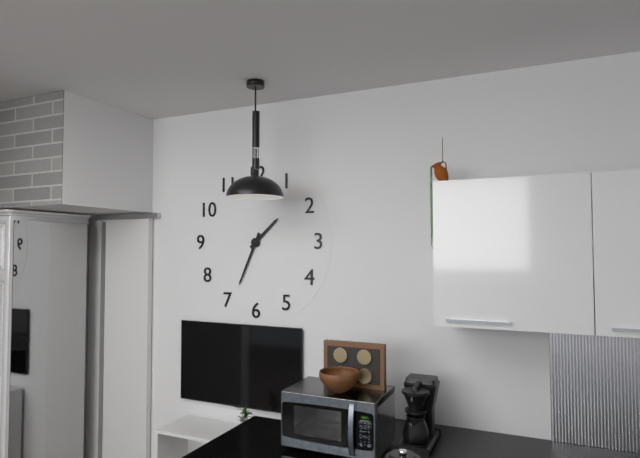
{"hour": 1, "minute": 34}
